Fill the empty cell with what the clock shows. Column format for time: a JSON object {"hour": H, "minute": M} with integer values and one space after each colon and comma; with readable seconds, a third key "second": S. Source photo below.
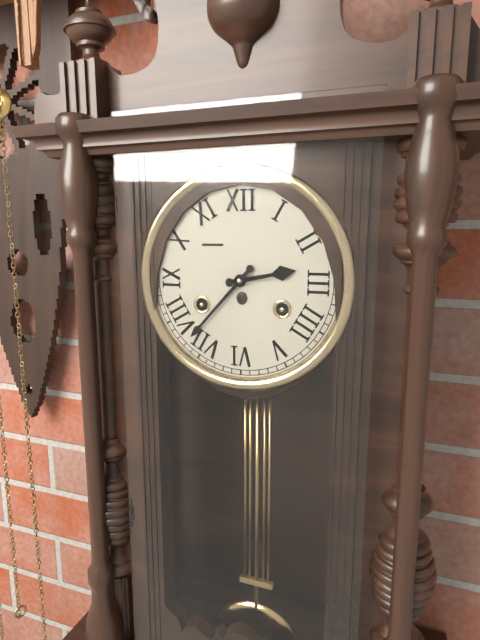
{"hour": 2, "minute": 37}
